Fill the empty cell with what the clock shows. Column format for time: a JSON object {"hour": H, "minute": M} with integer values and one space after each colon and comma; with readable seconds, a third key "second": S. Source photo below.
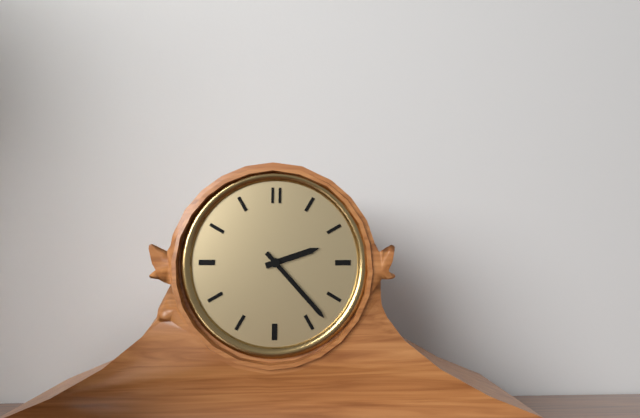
{"hour": 2, "minute": 23}
